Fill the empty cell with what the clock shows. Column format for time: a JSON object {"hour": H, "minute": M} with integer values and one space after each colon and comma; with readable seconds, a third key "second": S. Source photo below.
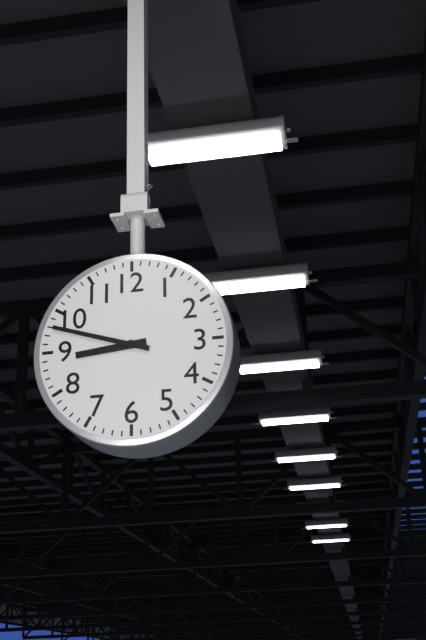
{"hour": 8, "minute": 48}
